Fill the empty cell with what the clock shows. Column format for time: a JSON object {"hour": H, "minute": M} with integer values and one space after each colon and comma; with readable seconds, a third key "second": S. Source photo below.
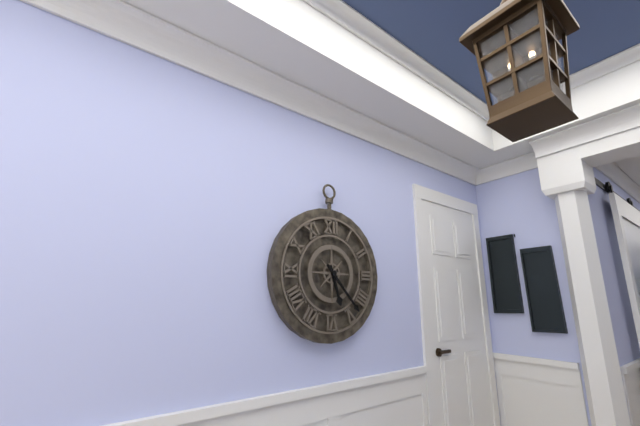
{"hour": 5, "minute": 23}
